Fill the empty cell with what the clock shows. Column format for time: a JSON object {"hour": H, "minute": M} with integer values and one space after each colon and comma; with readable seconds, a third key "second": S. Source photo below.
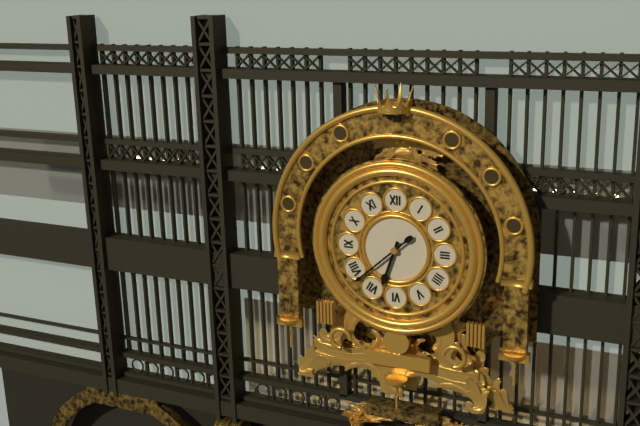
{"hour": 6, "minute": 38}
